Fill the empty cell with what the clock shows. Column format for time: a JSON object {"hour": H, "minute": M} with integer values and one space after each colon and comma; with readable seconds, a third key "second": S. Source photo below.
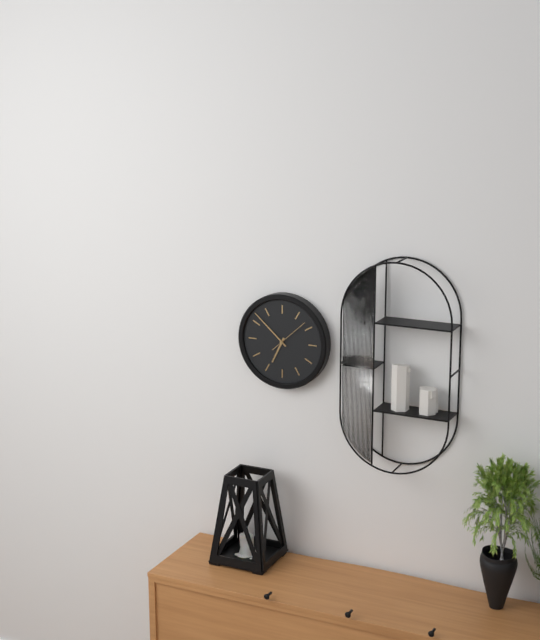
{"hour": 6, "minute": 52}
